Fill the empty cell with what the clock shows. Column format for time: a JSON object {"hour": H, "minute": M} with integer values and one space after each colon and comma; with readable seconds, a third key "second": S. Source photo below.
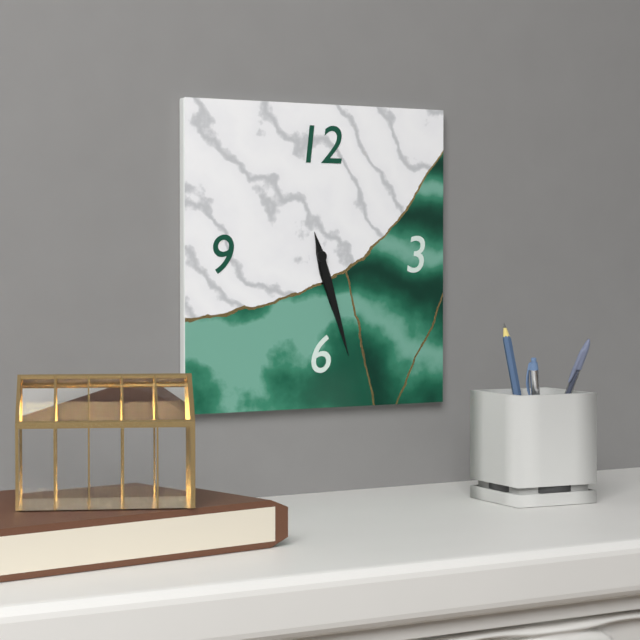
{"hour": 5, "minute": 27}
